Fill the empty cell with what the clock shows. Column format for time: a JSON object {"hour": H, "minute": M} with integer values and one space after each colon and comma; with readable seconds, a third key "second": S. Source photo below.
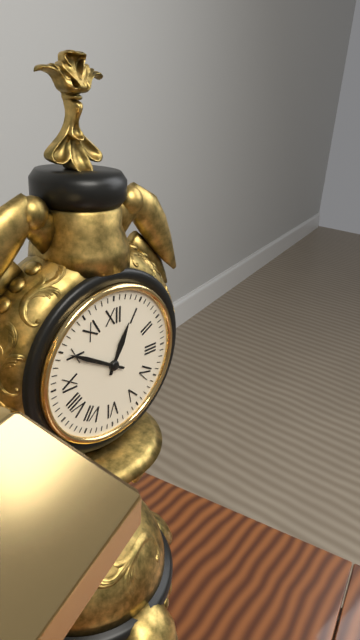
{"hour": 12, "minute": 50}
